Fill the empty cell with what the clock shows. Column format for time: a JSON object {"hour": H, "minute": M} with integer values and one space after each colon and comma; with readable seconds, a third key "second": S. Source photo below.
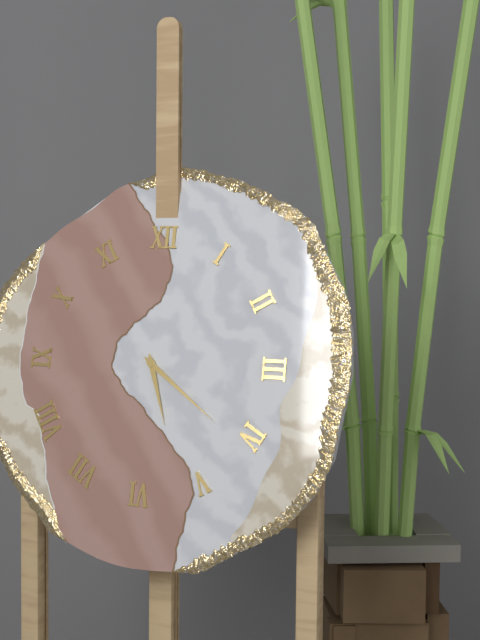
{"hour": 5, "minute": 21}
